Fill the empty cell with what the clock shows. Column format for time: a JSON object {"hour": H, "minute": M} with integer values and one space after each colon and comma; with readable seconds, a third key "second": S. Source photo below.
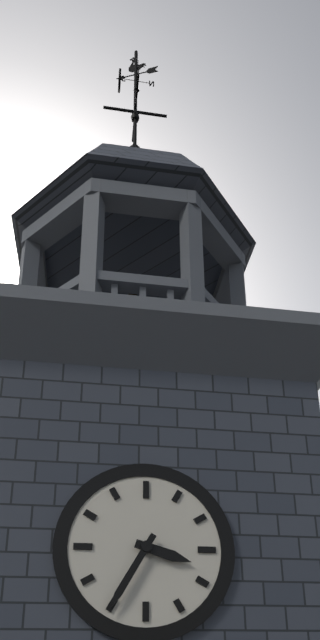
{"hour": 3, "minute": 35}
